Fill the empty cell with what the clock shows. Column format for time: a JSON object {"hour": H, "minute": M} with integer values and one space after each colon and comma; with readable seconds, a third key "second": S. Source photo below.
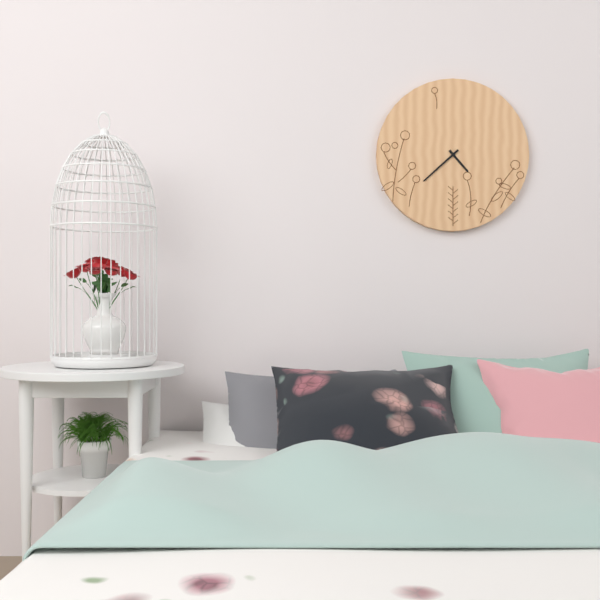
{"hour": 4, "minute": 38}
